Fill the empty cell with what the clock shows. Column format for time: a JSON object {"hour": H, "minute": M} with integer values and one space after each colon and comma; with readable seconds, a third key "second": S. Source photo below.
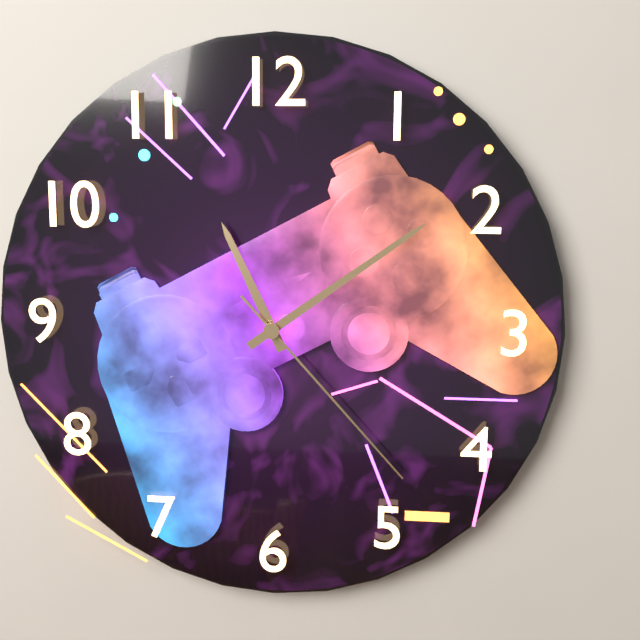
{"hour": 11, "minute": 9, "second": 23}
